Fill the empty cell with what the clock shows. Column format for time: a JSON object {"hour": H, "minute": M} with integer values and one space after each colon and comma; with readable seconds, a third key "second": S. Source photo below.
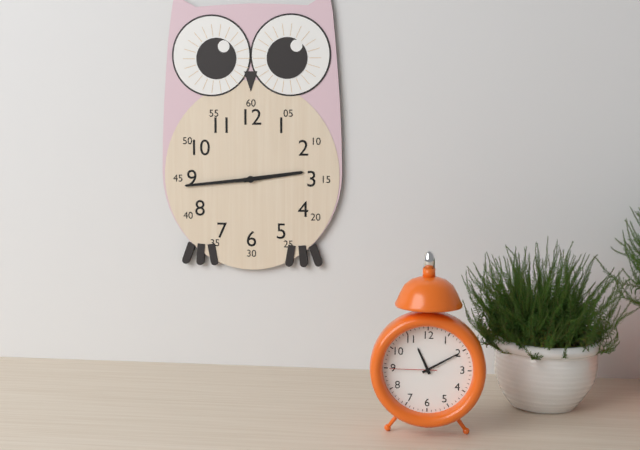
{"hour": 2, "minute": 44}
